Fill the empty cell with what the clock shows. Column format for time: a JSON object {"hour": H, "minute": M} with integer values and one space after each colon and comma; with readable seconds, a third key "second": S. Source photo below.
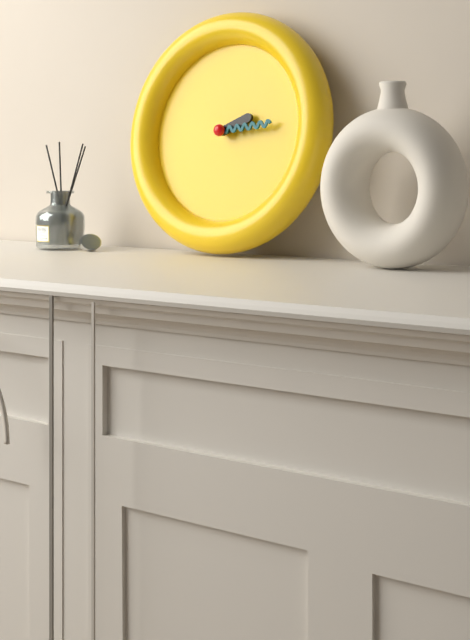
{"hour": 2, "minute": 14}
